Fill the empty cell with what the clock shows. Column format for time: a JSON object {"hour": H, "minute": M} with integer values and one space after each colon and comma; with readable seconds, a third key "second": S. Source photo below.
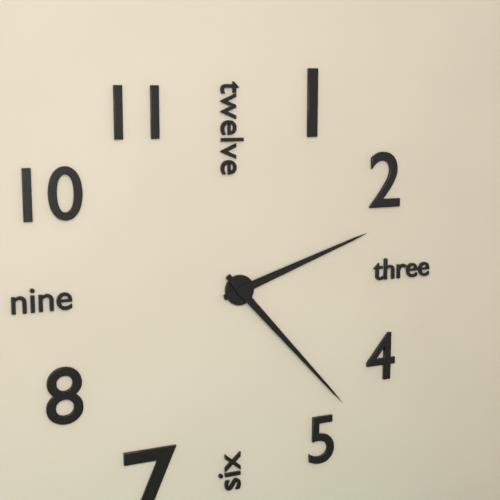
{"hour": 2, "minute": 23}
